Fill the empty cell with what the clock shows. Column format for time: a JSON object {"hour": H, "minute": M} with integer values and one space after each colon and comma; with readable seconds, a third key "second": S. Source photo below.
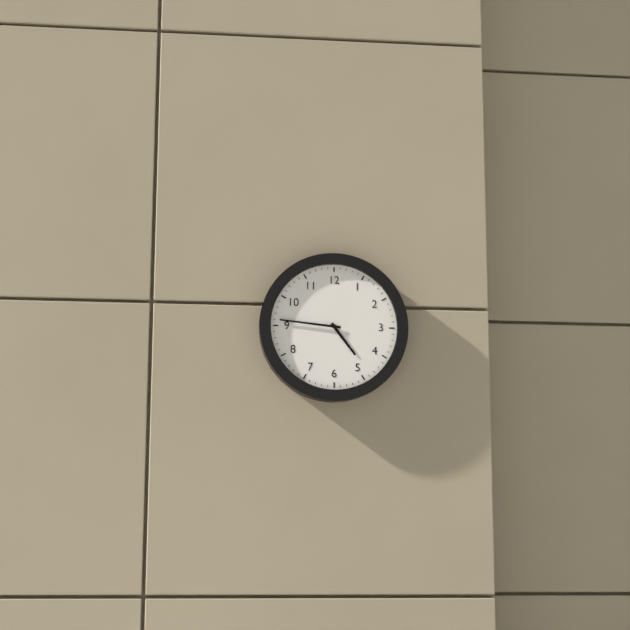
{"hour": 4, "minute": 46}
